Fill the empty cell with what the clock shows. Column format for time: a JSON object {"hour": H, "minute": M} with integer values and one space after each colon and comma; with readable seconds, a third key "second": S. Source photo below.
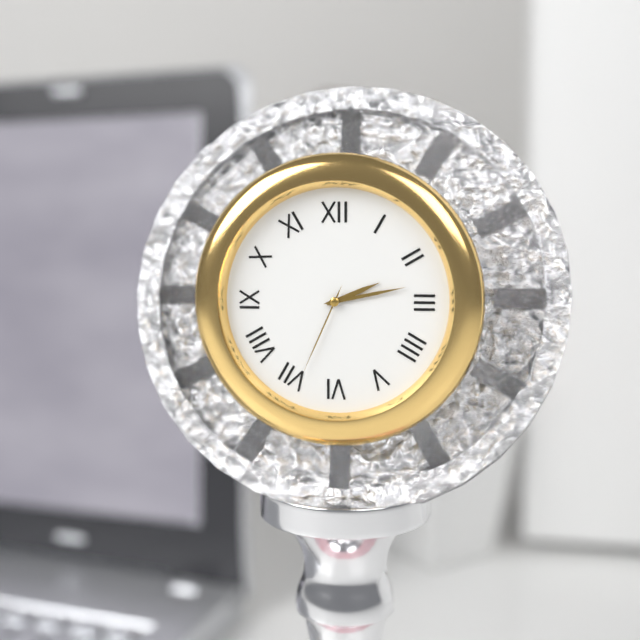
{"hour": 2, "minute": 13, "second": 34}
